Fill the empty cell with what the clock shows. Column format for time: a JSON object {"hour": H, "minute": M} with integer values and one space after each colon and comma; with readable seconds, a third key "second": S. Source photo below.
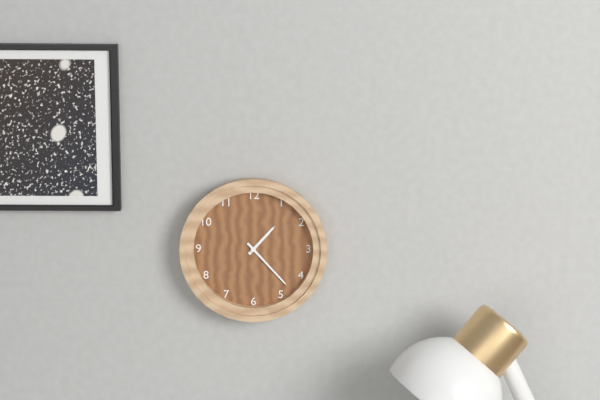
{"hour": 1, "minute": 23}
